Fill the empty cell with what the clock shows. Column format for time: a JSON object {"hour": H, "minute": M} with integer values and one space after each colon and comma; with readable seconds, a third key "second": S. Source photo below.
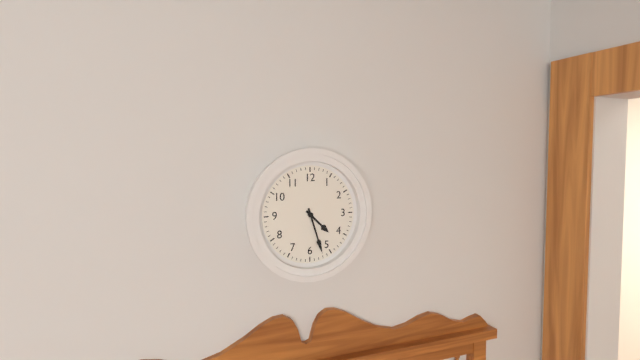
{"hour": 4, "minute": 27}
